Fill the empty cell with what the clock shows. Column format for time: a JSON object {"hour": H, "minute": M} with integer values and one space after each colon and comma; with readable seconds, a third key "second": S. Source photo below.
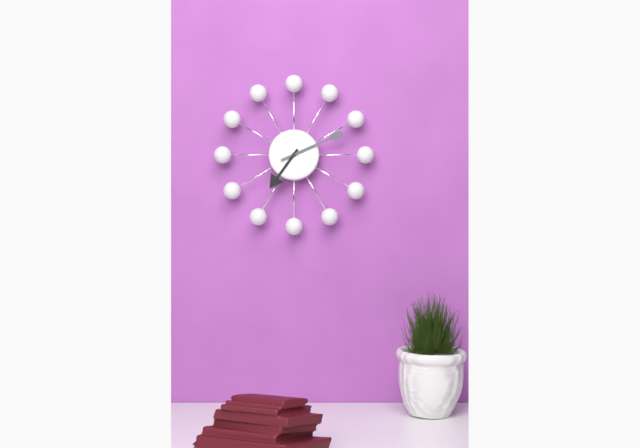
{"hour": 7, "minute": 11}
